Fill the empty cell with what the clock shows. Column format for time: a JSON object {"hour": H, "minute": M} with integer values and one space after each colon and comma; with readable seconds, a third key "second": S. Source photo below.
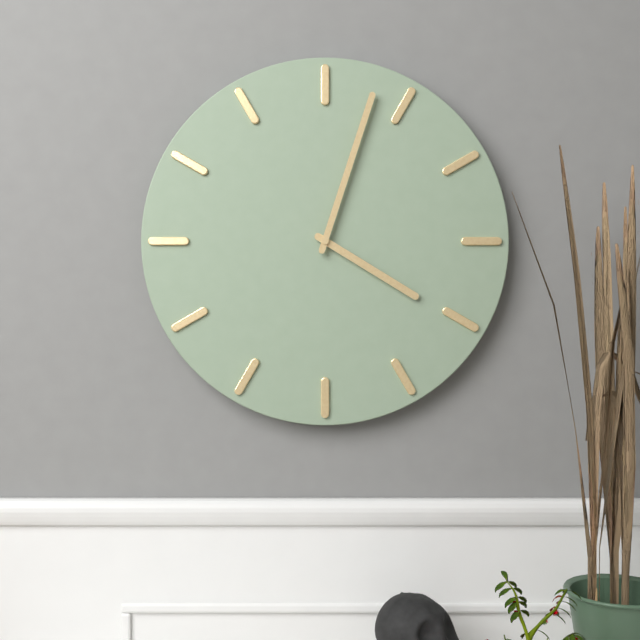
{"hour": 4, "minute": 3}
